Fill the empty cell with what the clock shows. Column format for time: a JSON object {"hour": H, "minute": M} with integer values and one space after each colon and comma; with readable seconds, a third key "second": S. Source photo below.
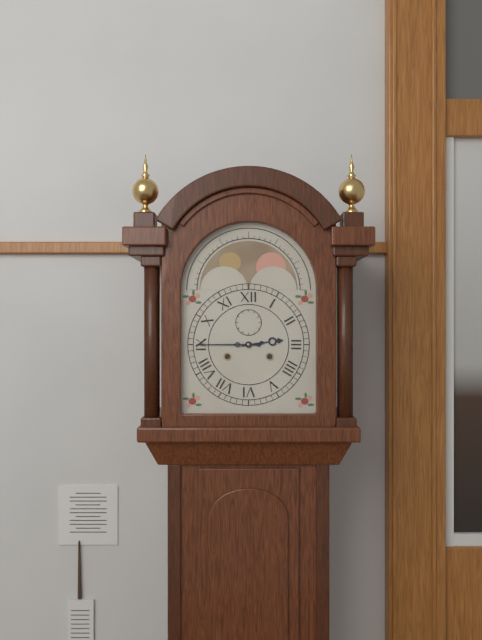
{"hour": 2, "minute": 45}
